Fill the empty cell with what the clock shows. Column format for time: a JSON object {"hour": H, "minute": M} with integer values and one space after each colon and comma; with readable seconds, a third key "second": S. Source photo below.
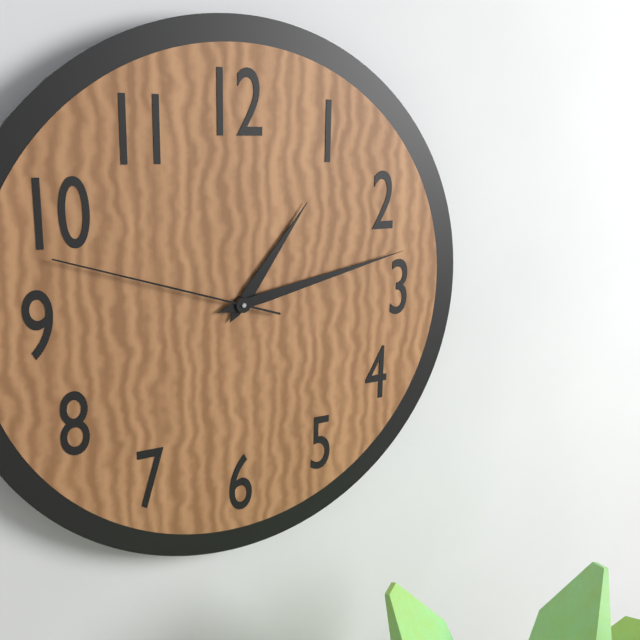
{"hour": 1, "minute": 13, "second": 48}
